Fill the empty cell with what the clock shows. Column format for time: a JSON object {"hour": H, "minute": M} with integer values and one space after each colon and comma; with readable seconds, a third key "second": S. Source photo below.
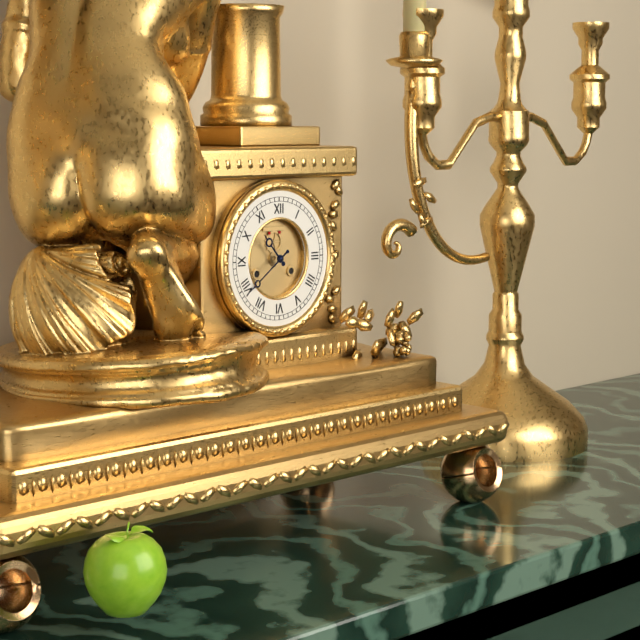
{"hour": 10, "minute": 39}
